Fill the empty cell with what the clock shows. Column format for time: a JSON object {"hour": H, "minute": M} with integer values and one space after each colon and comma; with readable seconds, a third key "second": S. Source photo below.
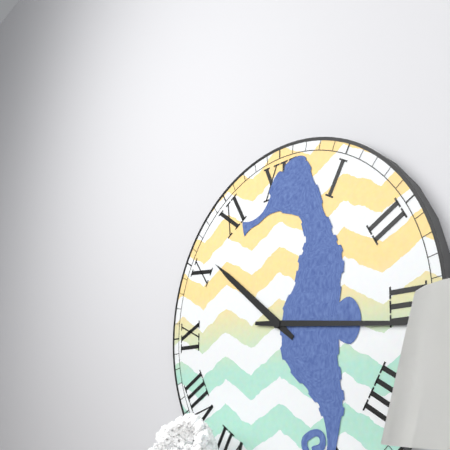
{"hour": 10, "minute": 16}
